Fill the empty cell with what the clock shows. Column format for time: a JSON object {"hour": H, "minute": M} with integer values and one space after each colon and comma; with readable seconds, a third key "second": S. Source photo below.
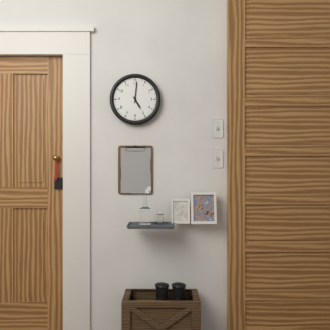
{"hour": 5, "minute": 1}
